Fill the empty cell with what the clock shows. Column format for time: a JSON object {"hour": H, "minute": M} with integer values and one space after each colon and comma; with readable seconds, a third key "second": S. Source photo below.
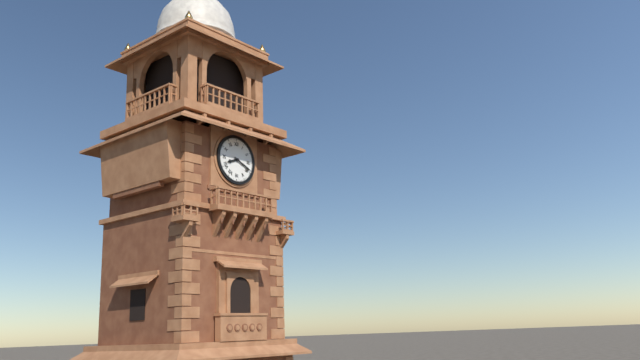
{"hour": 8, "minute": 19}
